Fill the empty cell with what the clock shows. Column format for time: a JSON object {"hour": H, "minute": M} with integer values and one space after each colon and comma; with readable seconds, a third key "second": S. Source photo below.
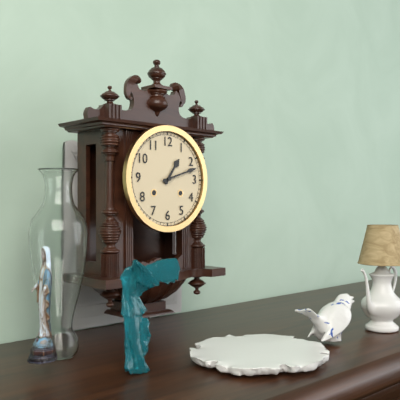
{"hour": 1, "minute": 12}
